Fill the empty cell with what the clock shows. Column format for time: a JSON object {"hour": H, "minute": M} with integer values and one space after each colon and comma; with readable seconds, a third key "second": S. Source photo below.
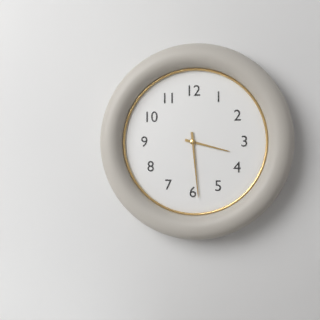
{"hour": 3, "minute": 29}
